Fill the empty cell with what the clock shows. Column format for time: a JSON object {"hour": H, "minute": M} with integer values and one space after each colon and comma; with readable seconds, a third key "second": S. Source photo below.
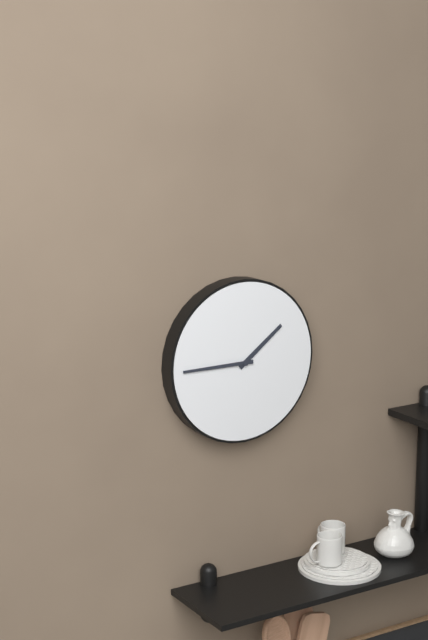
{"hour": 1, "minute": 45}
